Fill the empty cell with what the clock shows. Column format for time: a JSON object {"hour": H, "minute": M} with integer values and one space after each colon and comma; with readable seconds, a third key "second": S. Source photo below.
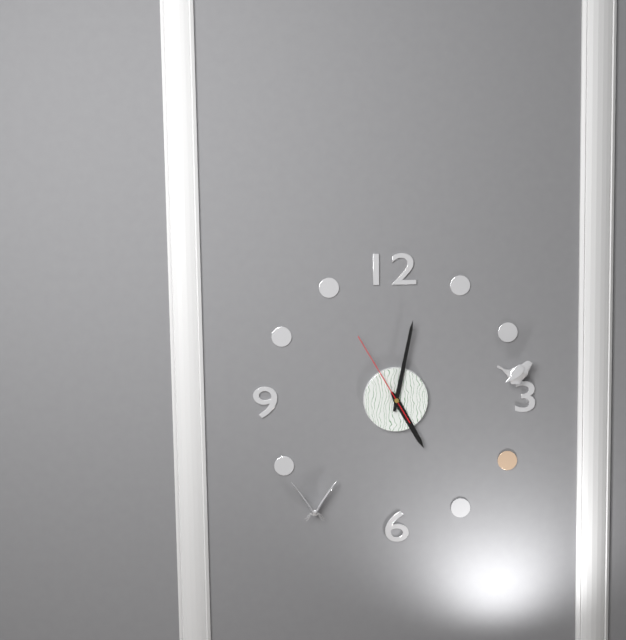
{"hour": 5, "minute": 2, "second": 55}
